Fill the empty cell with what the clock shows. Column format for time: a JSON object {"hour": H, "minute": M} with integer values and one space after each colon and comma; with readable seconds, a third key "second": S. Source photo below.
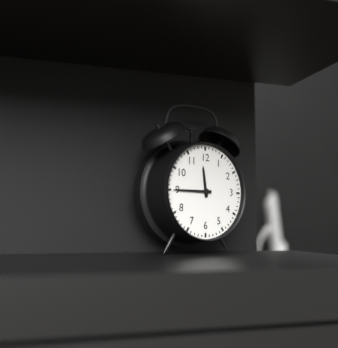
{"hour": 11, "minute": 45}
